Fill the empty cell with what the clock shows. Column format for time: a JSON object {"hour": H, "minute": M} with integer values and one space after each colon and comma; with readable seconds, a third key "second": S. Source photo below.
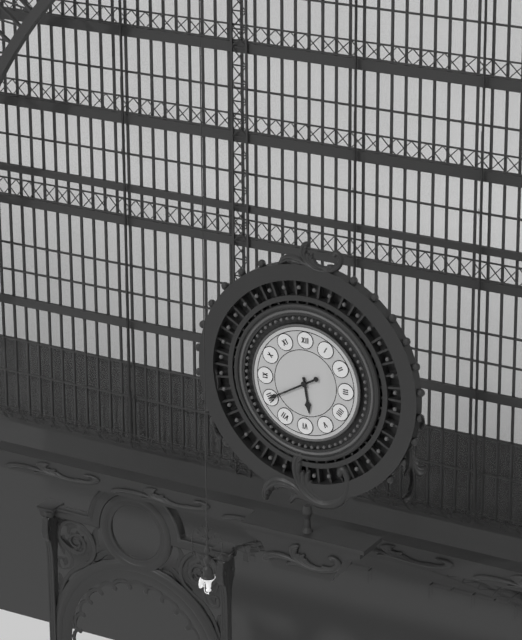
{"hour": 5, "minute": 40}
